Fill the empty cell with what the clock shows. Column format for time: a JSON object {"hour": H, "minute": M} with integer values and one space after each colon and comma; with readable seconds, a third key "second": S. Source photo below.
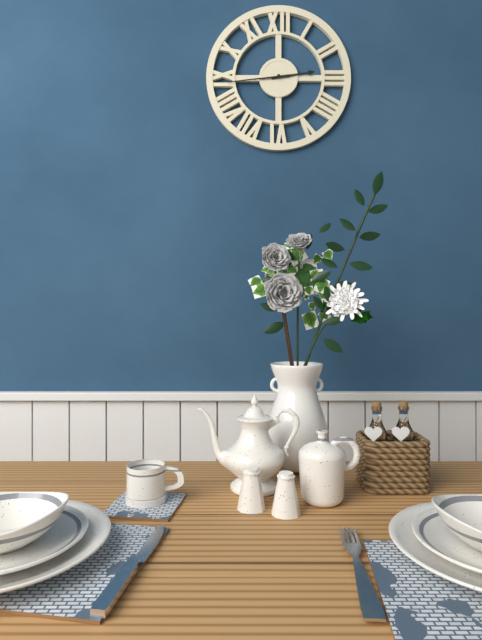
{"hour": 2, "minute": 44}
